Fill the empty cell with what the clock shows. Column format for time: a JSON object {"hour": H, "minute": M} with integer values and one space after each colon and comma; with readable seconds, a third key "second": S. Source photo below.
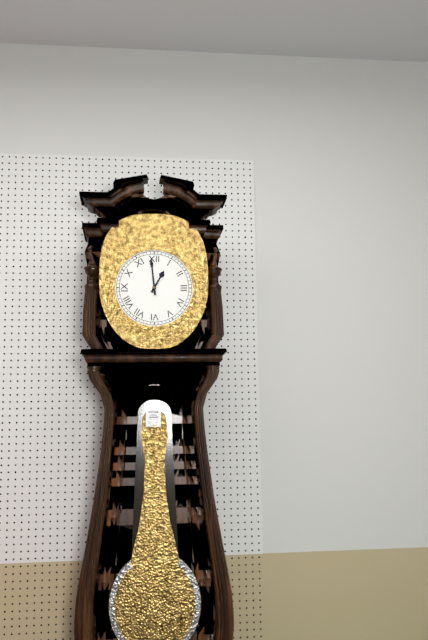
{"hour": 12, "minute": 59}
